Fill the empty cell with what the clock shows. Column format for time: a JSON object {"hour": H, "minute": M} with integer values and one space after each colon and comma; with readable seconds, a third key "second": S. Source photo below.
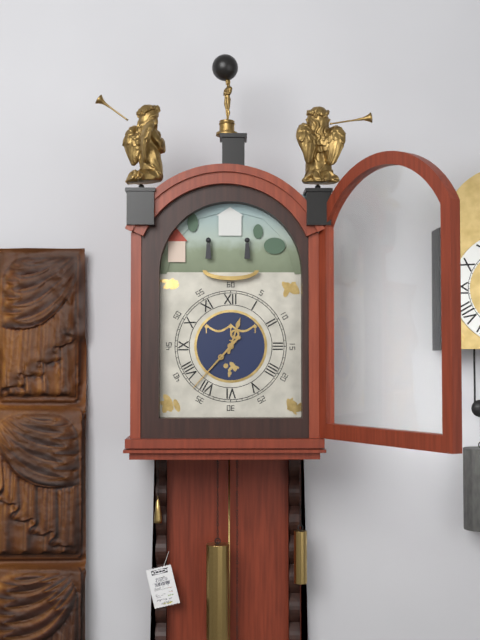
{"hour": 12, "minute": 37}
